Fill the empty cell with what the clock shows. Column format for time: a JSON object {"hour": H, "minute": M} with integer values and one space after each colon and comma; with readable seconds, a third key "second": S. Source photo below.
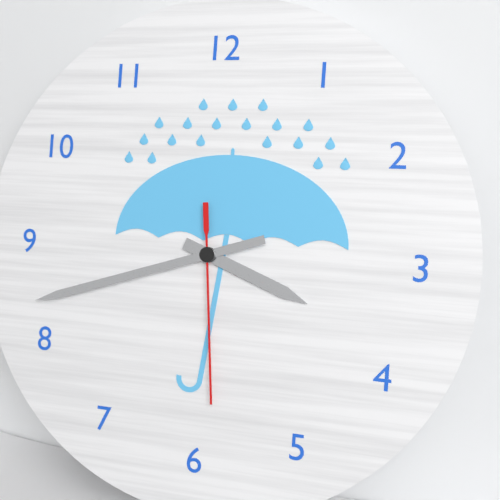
{"hour": 3, "minute": 42, "second": 29}
